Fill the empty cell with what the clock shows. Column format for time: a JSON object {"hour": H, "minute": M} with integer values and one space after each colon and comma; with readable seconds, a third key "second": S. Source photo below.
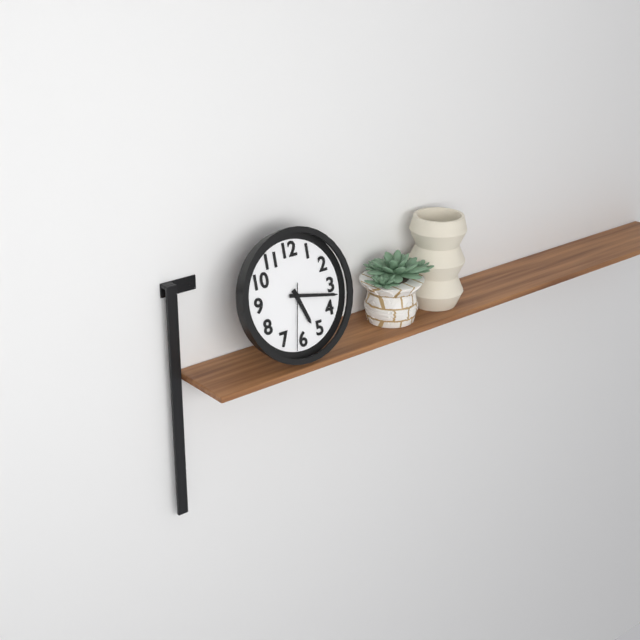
{"hour": 5, "minute": 17, "second": 32}
